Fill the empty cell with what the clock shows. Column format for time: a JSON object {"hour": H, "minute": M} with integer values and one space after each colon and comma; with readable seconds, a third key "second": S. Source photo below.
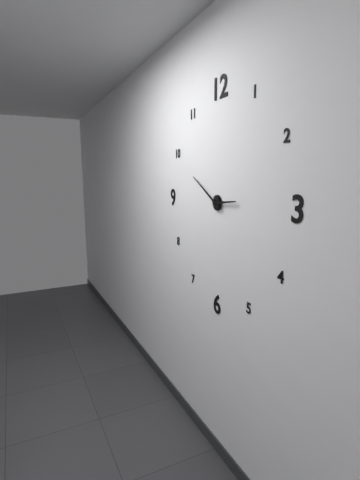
{"hour": 2, "minute": 50}
